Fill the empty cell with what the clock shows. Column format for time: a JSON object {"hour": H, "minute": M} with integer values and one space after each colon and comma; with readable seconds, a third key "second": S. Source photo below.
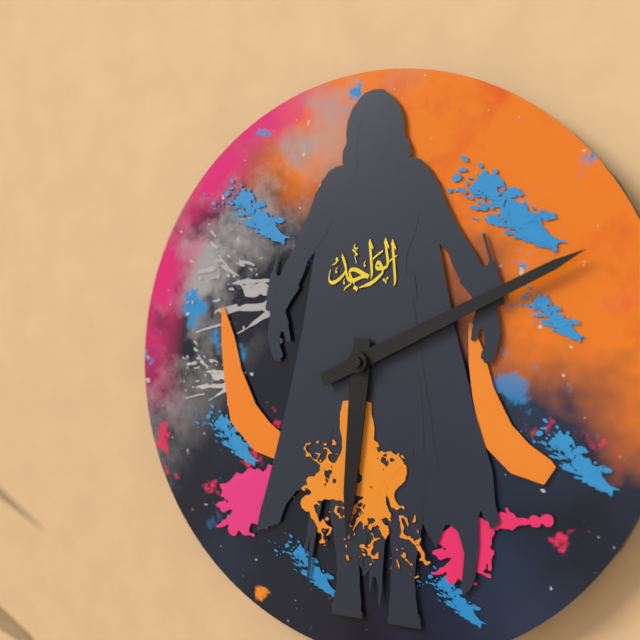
{"hour": 6, "minute": 11}
